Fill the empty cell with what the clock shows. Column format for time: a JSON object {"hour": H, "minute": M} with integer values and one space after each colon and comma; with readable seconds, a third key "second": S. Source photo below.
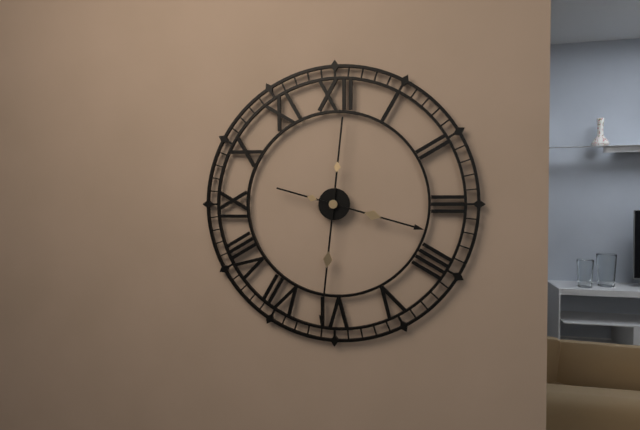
{"hour": 3, "minute": 31}
